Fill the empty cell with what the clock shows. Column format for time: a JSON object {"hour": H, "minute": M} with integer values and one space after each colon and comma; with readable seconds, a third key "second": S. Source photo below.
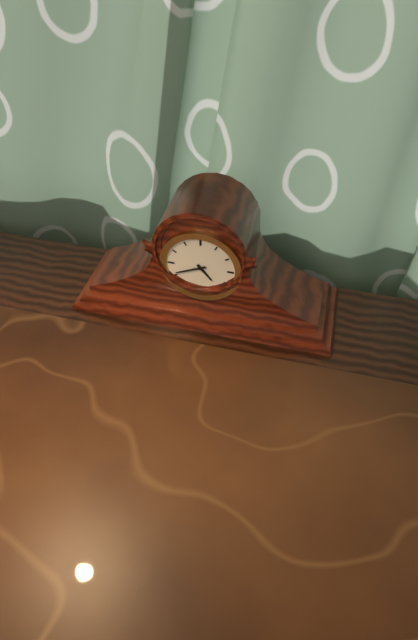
{"hour": 4, "minute": 41}
